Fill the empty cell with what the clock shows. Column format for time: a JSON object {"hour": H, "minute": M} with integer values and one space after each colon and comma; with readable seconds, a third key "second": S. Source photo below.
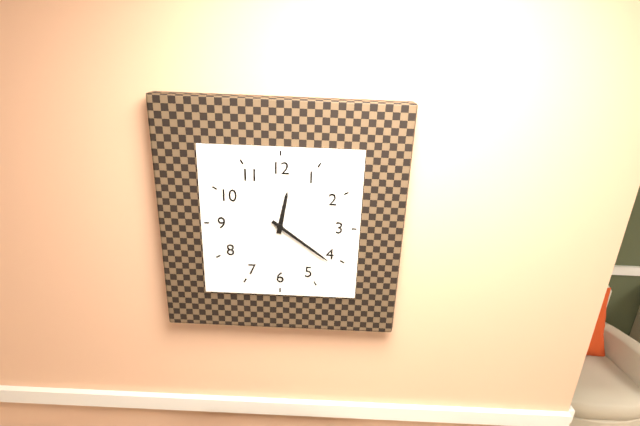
{"hour": 12, "minute": 21}
